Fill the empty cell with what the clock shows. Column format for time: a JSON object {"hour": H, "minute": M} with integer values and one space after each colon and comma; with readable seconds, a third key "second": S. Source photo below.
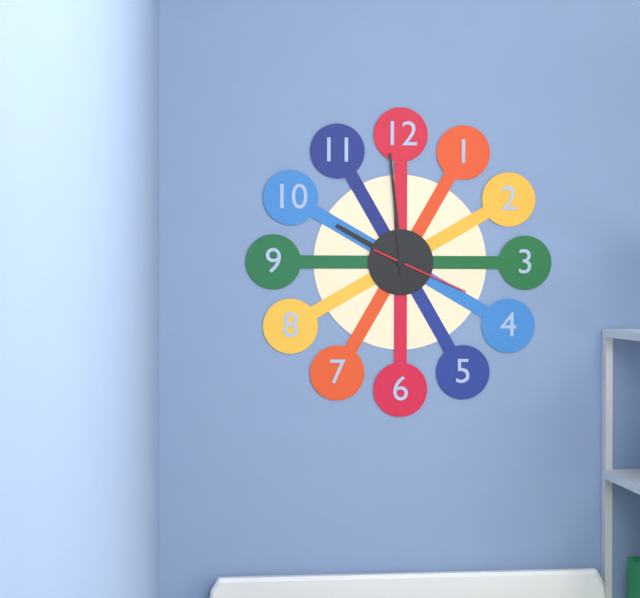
{"hour": 9, "minute": 59, "second": 19}
